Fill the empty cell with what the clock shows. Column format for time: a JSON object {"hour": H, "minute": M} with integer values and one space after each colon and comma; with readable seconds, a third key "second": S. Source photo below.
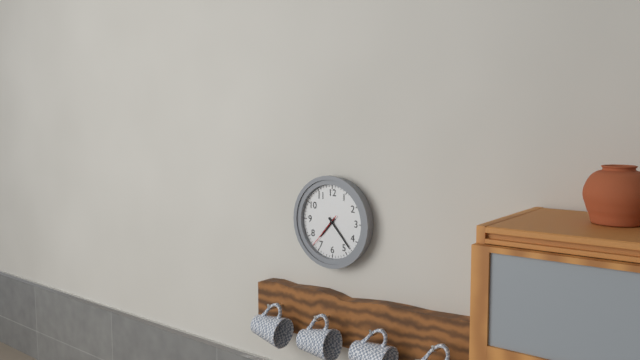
{"hour": 7, "minute": 23}
